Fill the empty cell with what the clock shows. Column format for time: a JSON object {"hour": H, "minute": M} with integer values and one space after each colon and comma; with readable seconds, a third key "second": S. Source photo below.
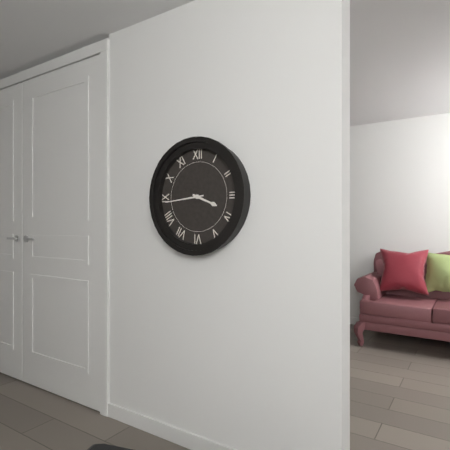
{"hour": 3, "minute": 44}
